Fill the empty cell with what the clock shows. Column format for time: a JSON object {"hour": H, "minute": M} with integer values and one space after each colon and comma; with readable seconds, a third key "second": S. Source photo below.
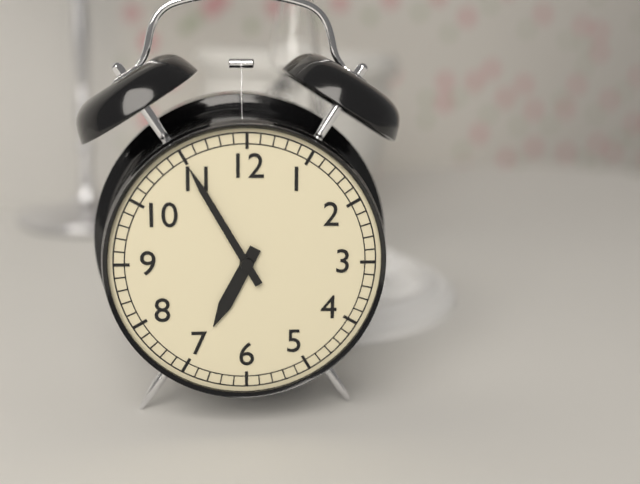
{"hour": 6, "minute": 55}
